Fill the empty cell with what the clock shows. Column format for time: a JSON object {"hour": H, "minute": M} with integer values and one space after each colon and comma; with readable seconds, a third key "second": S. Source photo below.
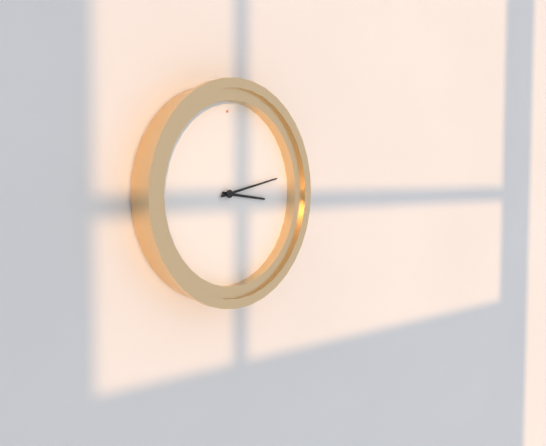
{"hour": 3, "minute": 13}
